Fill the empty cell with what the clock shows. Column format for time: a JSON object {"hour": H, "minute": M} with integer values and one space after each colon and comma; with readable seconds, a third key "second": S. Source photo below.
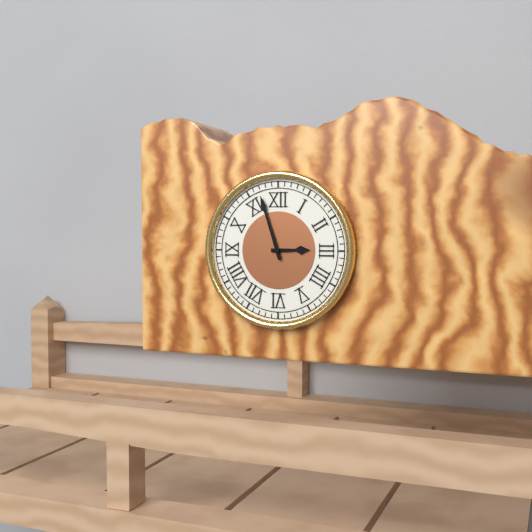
{"hour": 2, "minute": 57}
